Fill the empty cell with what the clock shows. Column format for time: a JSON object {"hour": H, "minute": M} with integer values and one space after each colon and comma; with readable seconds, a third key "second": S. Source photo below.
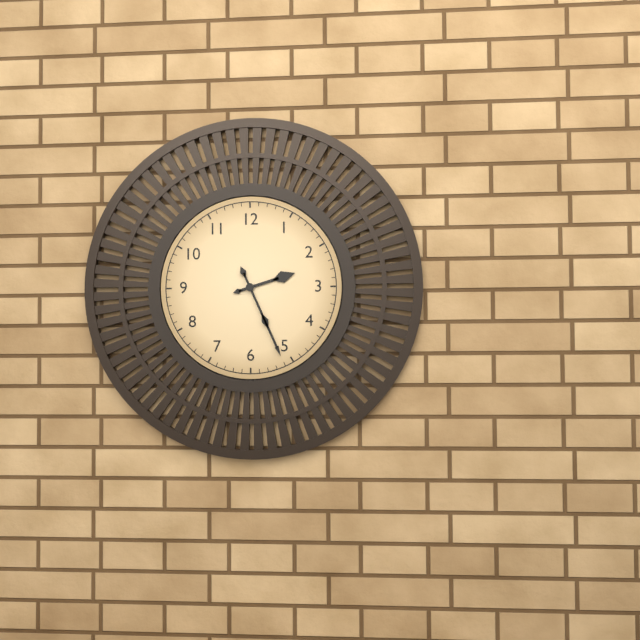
{"hour": 2, "minute": 26}
